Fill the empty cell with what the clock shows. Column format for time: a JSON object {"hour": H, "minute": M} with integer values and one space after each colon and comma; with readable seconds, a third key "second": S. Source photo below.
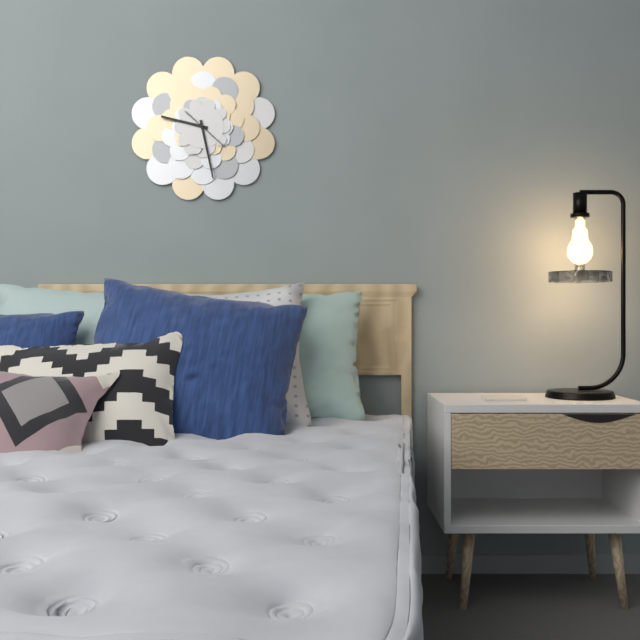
{"hour": 9, "minute": 28}
